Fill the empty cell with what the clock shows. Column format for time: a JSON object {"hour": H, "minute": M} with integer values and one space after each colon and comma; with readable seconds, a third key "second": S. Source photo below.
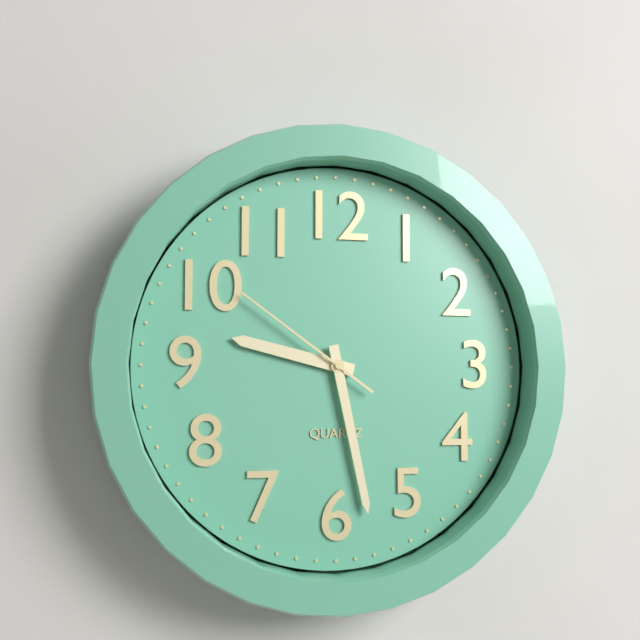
{"hour": 9, "minute": 28, "second": 51}
